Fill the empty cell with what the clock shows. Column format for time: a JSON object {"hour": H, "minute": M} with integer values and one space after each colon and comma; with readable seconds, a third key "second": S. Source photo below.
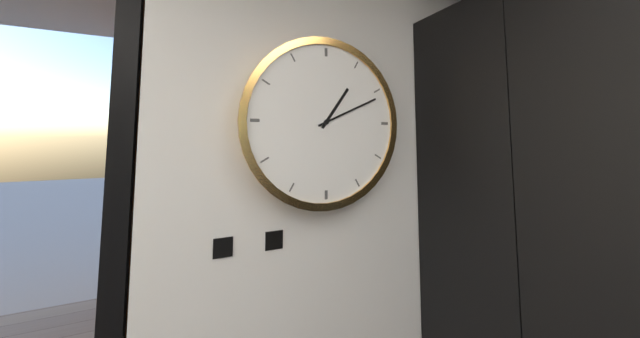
{"hour": 1, "minute": 11}
